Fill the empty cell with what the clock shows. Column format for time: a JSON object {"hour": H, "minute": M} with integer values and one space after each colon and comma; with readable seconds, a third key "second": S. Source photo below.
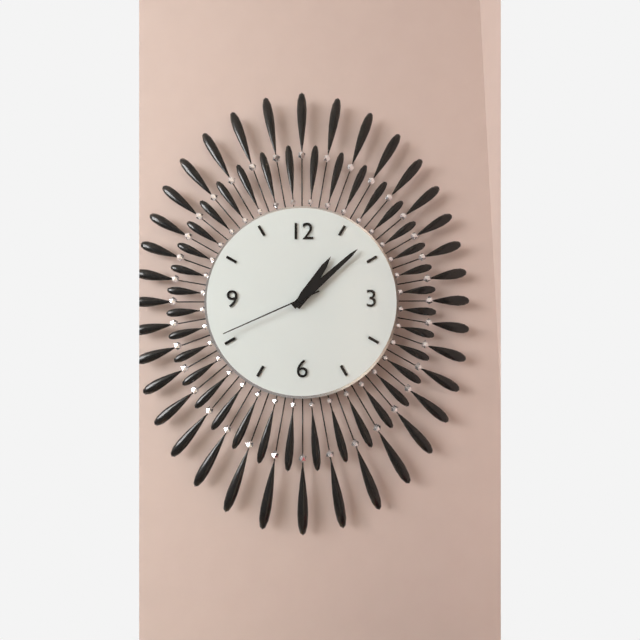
{"hour": 1, "minute": 8, "second": 41}
